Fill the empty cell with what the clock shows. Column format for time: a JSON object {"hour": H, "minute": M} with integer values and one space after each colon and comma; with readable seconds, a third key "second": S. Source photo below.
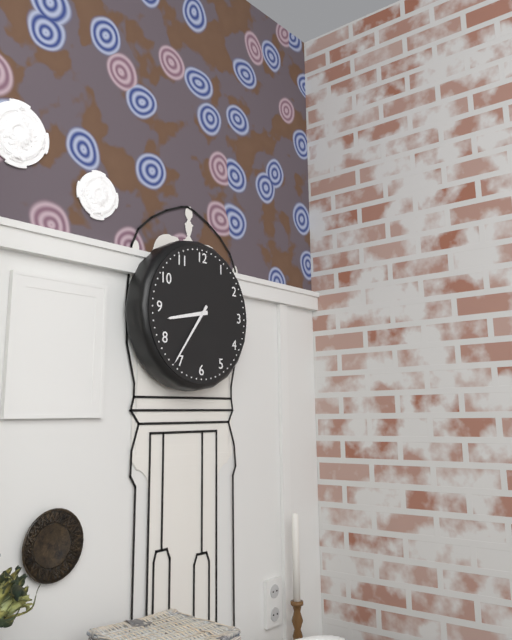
{"hour": 8, "minute": 36}
